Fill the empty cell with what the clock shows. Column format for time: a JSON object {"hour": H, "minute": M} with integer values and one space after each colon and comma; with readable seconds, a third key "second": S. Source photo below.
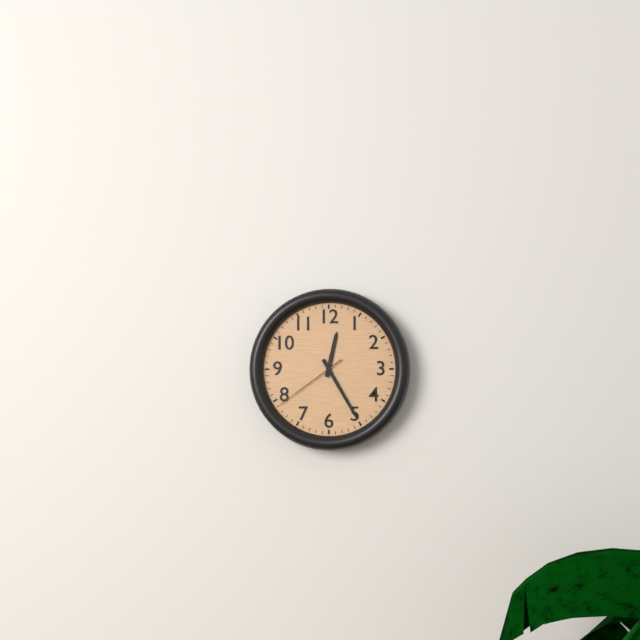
{"hour": 12, "minute": 25, "second": 39}
